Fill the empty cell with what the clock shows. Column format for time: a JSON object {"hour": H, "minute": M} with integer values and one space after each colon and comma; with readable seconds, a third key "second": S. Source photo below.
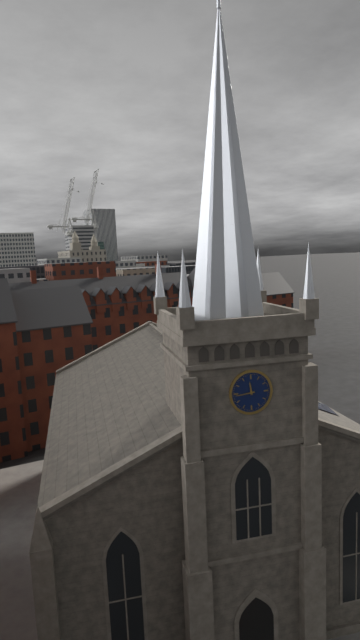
{"hour": 11, "minute": 44}
